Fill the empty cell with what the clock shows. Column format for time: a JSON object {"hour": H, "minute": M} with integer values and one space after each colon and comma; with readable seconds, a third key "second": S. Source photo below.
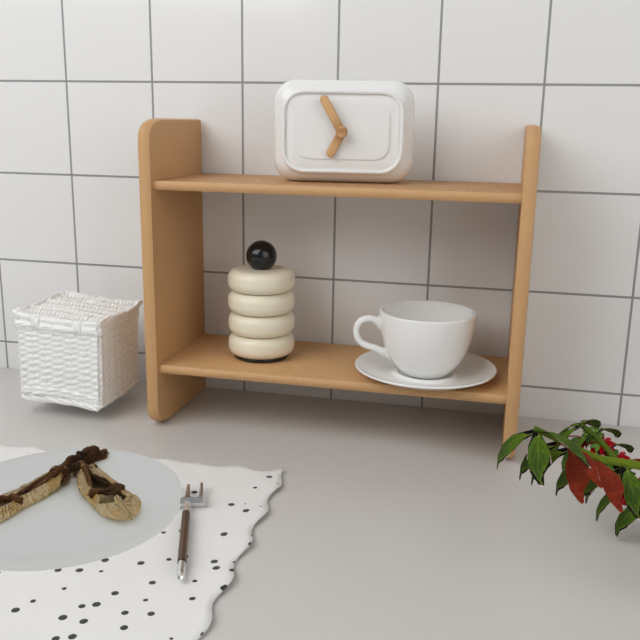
{"hour": 6, "minute": 55}
